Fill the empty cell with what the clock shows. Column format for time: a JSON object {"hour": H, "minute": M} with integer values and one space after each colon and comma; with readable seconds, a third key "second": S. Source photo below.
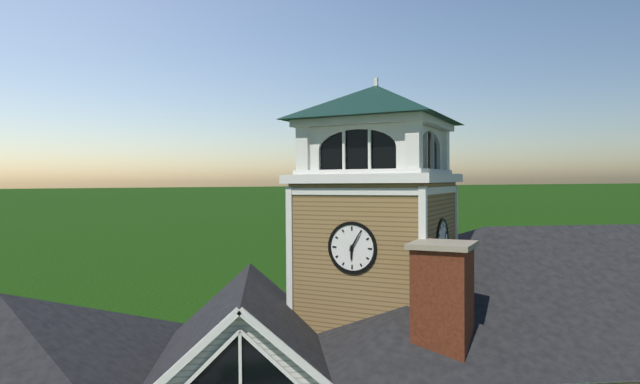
{"hour": 6, "minute": 5}
